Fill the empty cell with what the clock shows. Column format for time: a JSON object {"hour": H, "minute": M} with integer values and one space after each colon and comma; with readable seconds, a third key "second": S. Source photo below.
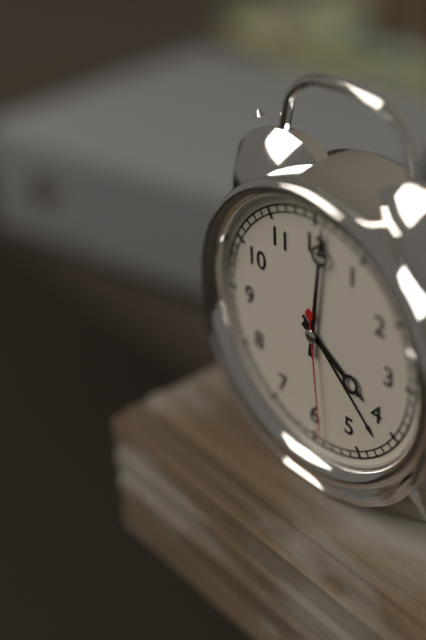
{"hour": 4, "minute": 1, "second": 29}
